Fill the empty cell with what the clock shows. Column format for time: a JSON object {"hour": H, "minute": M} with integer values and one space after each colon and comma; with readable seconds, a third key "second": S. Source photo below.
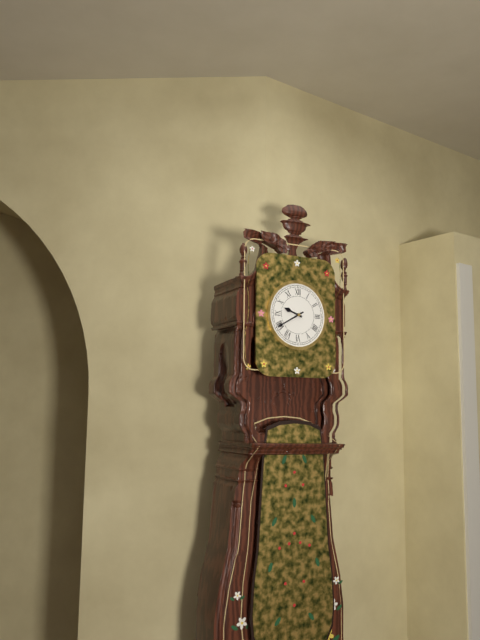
{"hour": 9, "minute": 40}
